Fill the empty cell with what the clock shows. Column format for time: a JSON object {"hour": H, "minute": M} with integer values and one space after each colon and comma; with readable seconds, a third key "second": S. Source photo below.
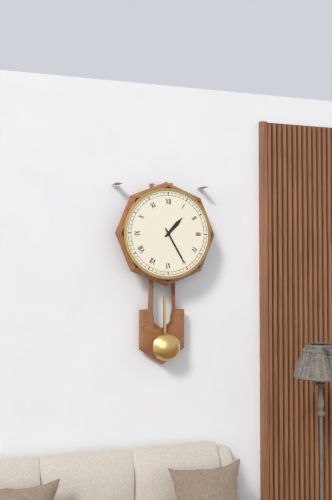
{"hour": 1, "minute": 25}
